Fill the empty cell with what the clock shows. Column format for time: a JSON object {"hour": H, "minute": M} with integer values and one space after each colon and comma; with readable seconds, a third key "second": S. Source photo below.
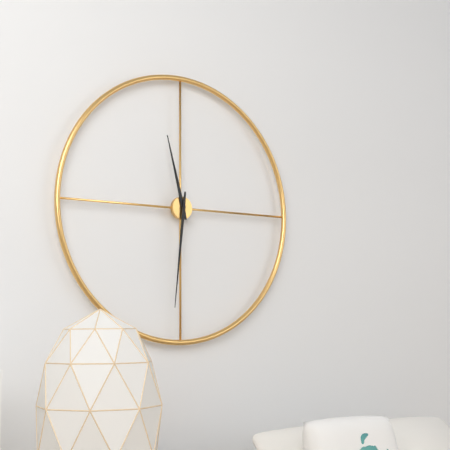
{"hour": 11, "minute": 31}
